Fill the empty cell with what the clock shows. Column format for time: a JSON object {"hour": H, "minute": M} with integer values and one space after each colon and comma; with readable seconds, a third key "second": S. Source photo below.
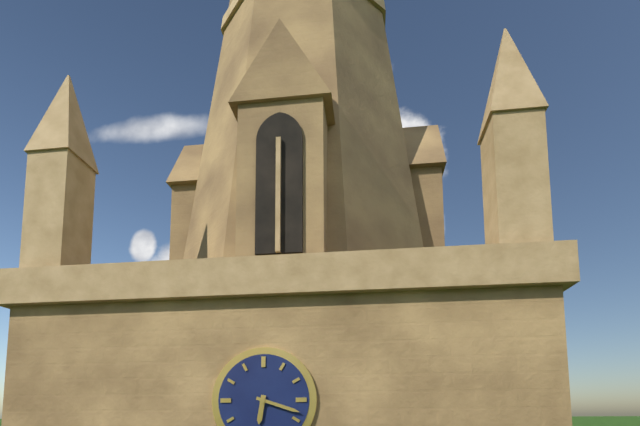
{"hour": 6, "minute": 18}
